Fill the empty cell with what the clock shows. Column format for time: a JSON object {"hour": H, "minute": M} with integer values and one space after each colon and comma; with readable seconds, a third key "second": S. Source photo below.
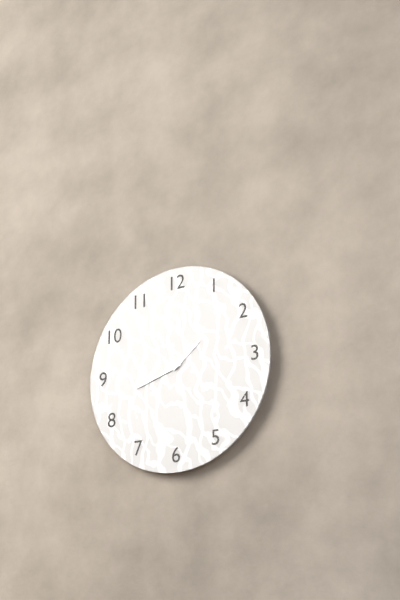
{"hour": 1, "minute": 42}
